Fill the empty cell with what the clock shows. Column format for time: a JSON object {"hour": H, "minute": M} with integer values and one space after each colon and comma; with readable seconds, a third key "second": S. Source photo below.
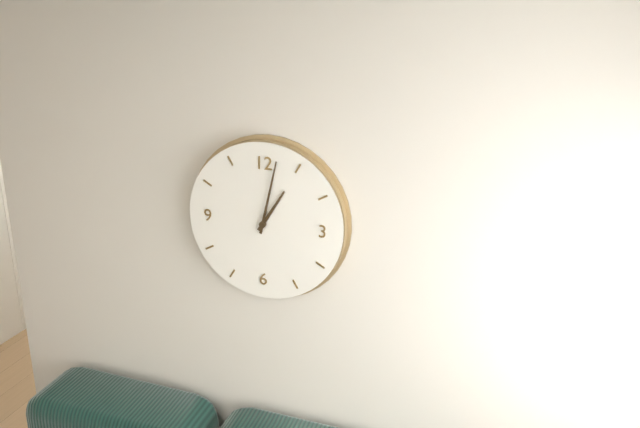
{"hour": 1, "minute": 2}
